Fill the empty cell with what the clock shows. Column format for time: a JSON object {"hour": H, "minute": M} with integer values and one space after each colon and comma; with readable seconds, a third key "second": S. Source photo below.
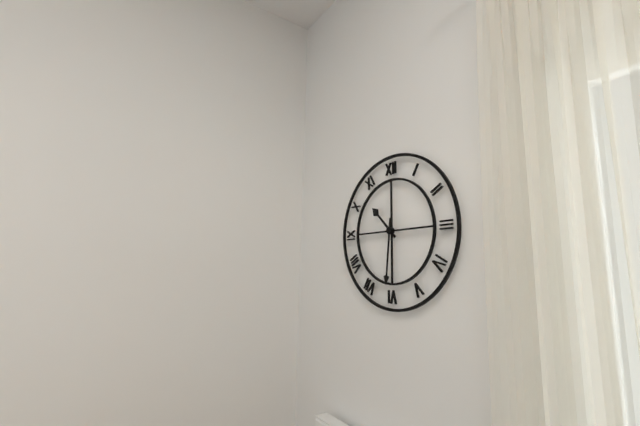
{"hour": 10, "minute": 31}
